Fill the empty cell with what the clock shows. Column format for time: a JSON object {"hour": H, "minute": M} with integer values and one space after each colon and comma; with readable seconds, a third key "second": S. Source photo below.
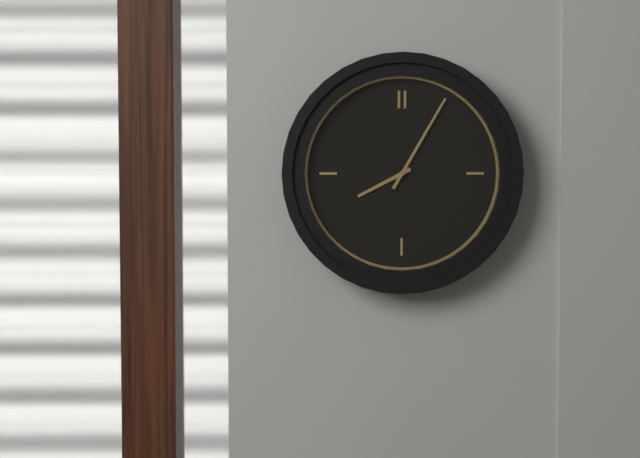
{"hour": 8, "minute": 5}
